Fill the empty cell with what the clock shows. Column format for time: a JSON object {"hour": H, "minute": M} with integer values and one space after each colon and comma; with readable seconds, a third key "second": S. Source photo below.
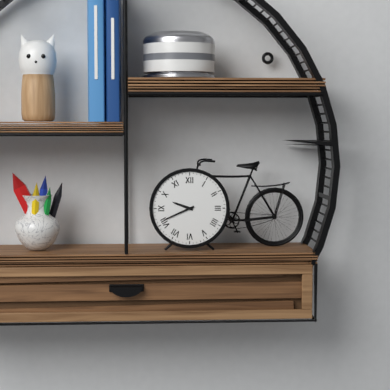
{"hour": 9, "minute": 41}
